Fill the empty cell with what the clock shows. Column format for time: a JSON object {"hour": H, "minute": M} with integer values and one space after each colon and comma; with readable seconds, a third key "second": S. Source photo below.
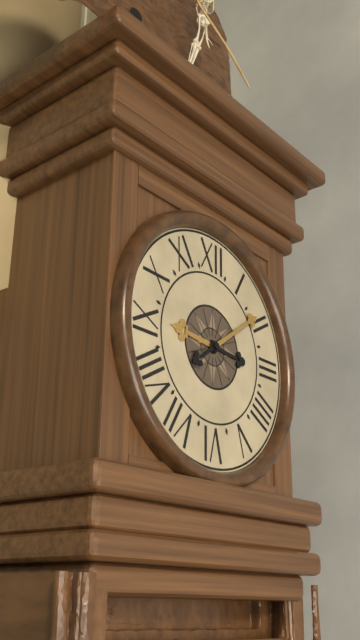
{"hour": 9, "minute": 9}
